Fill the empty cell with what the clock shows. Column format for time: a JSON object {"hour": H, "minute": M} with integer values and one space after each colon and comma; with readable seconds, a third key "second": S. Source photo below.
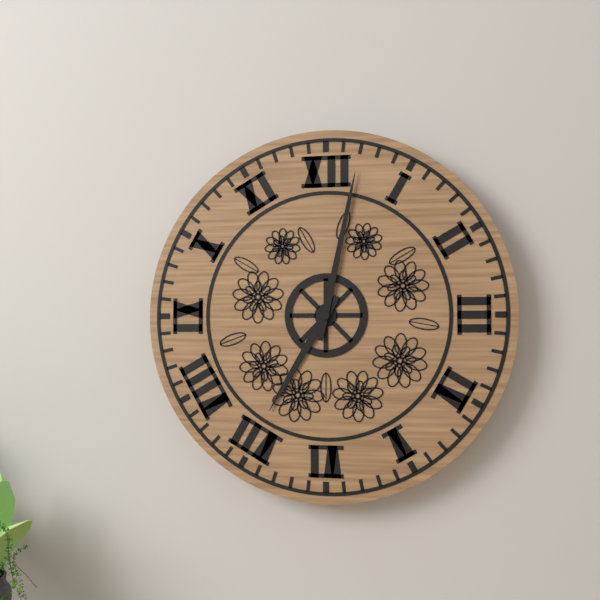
{"hour": 7, "minute": 2}
